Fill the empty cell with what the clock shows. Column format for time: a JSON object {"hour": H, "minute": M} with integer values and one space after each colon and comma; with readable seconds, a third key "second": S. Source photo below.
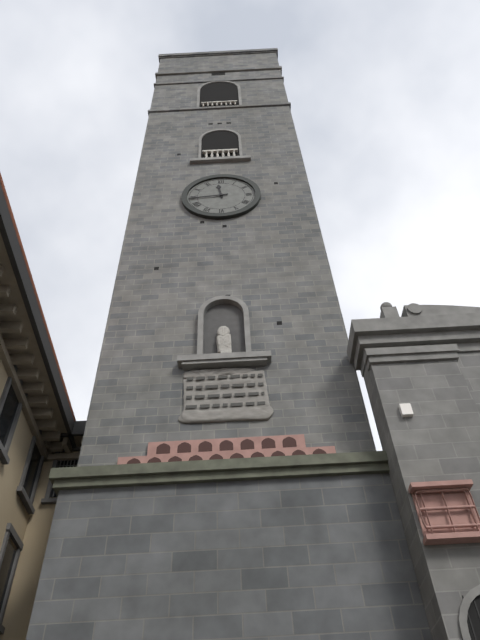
{"hour": 11, "minute": 44}
